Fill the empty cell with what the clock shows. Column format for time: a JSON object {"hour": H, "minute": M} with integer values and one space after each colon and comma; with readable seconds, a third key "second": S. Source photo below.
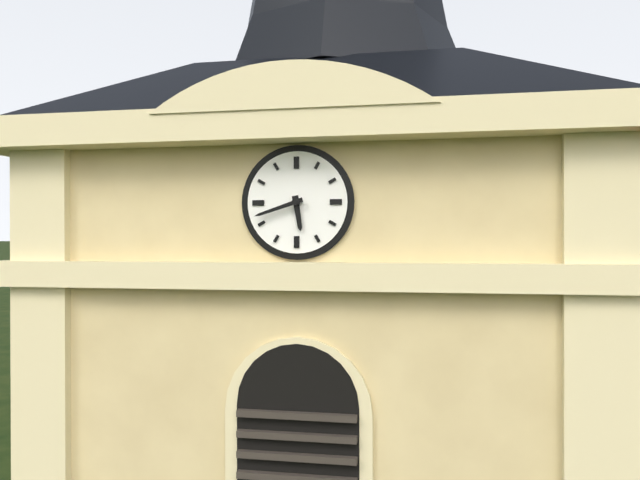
{"hour": 5, "minute": 42}
